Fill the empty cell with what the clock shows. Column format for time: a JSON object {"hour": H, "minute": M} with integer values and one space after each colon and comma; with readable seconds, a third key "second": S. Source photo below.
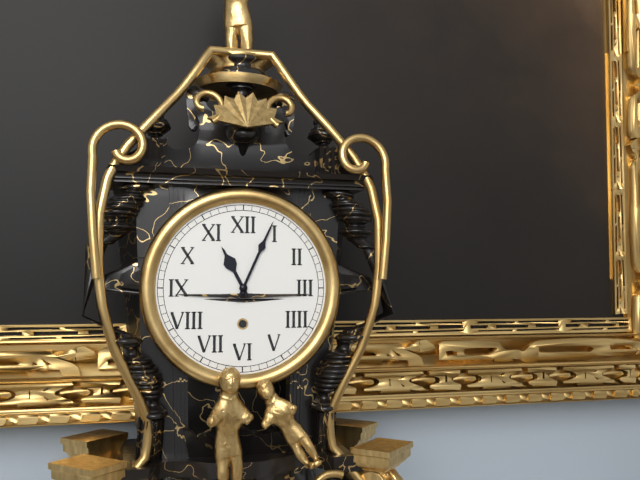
{"hour": 11, "minute": 4}
